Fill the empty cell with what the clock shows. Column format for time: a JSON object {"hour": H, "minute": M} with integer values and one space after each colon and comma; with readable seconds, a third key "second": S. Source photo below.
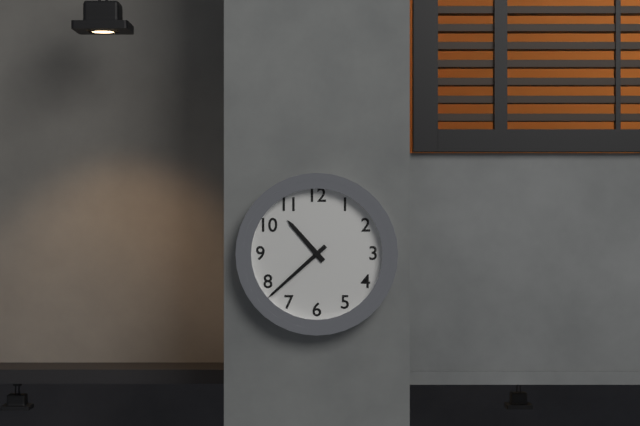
{"hour": 10, "minute": 38}
